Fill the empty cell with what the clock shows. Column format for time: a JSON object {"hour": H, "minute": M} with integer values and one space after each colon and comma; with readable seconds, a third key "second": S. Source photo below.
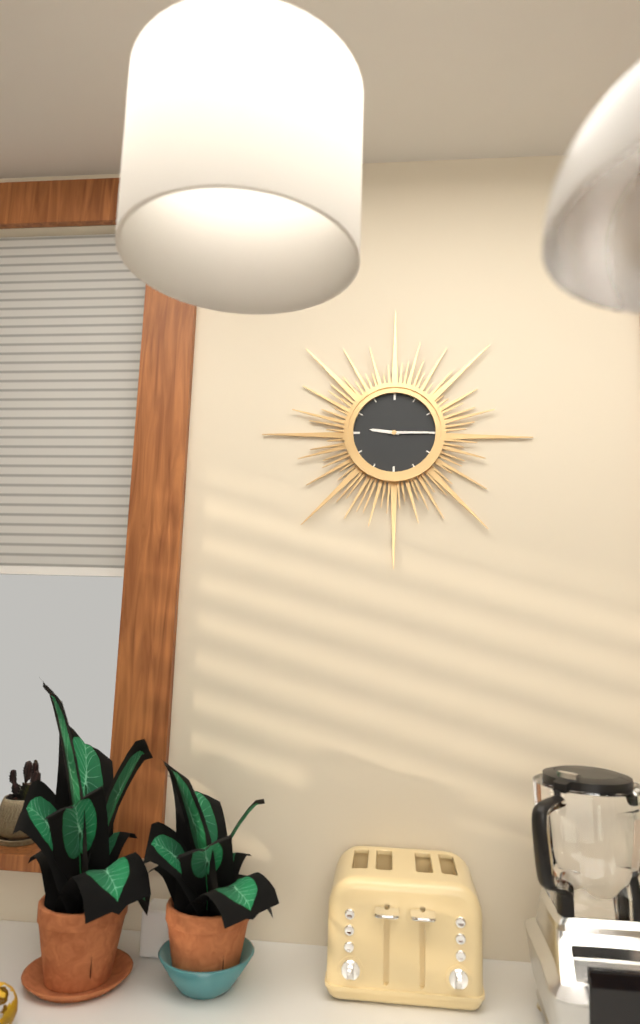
{"hour": 9, "minute": 15}
